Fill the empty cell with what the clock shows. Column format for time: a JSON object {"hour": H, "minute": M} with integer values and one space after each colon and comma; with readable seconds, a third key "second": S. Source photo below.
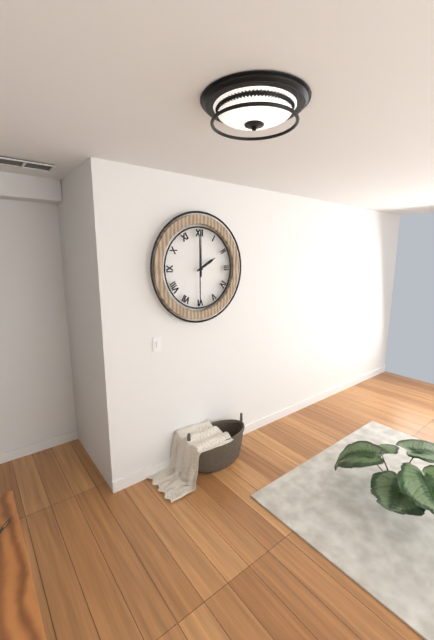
{"hour": 2, "minute": 0}
